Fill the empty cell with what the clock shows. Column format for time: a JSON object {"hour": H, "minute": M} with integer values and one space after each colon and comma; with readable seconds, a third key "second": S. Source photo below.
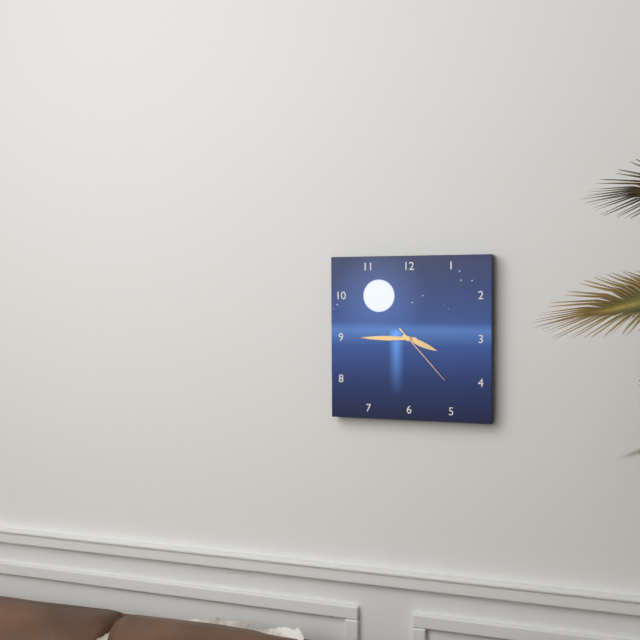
{"hour": 3, "minute": 45, "second": 23}
